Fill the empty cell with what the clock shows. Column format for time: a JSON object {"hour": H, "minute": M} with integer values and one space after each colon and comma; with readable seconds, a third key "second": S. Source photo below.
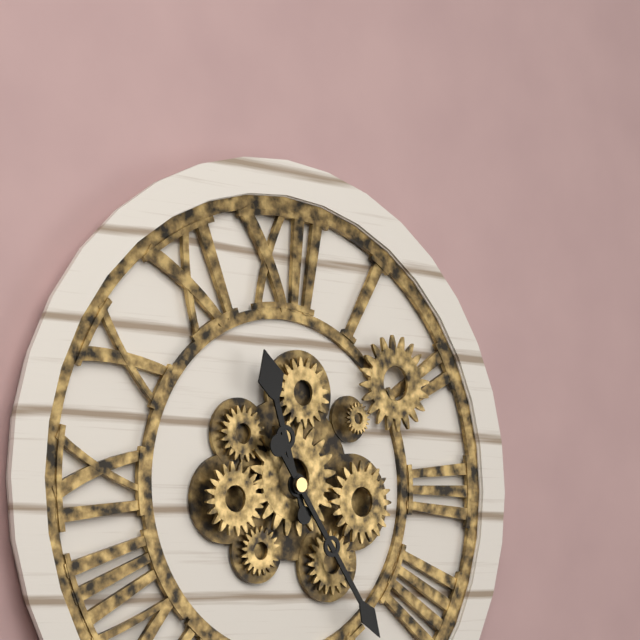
{"hour": 11, "minute": 24}
